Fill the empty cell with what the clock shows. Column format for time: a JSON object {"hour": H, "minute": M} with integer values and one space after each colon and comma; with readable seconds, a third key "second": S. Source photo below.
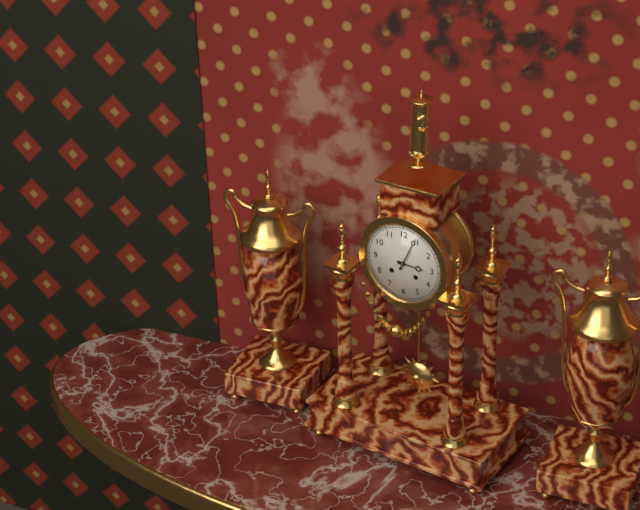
{"hour": 3, "minute": 4}
